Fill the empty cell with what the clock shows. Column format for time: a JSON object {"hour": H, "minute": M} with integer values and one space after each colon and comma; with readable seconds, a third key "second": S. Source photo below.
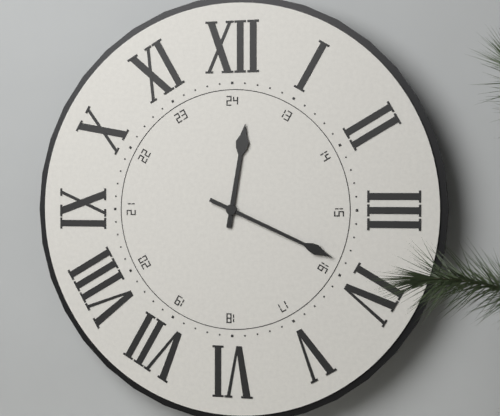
{"hour": 12, "minute": 19}
